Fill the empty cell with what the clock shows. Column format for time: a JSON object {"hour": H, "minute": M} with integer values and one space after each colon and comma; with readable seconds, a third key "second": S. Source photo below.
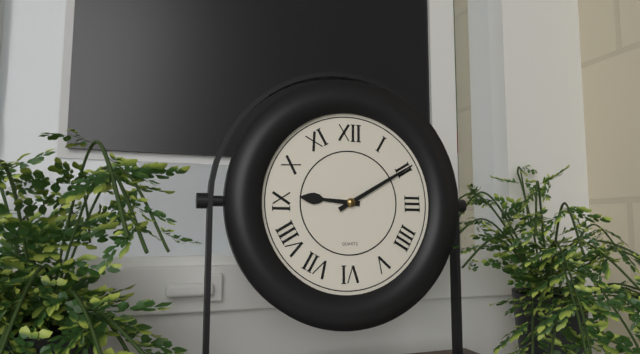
{"hour": 9, "minute": 10}
